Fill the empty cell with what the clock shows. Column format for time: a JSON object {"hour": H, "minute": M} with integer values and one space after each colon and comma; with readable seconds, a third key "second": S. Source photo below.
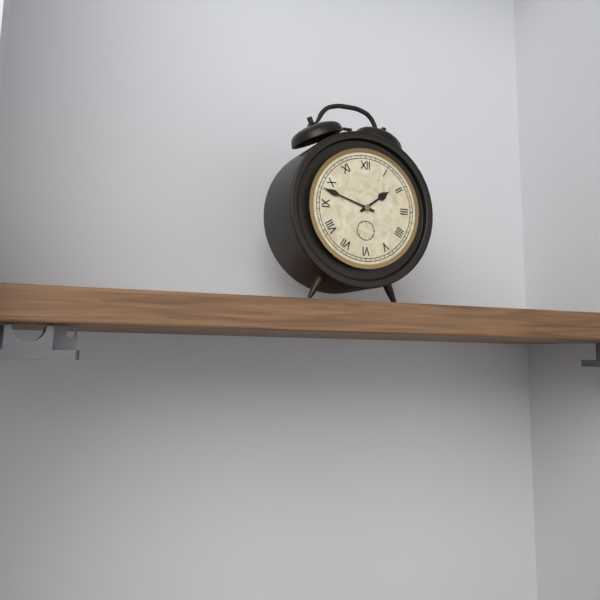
{"hour": 1, "minute": 48}
